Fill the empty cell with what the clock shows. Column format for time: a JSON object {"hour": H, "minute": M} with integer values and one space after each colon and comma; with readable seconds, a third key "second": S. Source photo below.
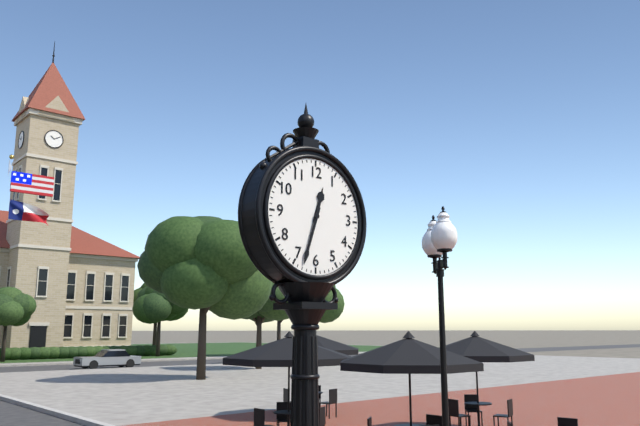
{"hour": 12, "minute": 33}
